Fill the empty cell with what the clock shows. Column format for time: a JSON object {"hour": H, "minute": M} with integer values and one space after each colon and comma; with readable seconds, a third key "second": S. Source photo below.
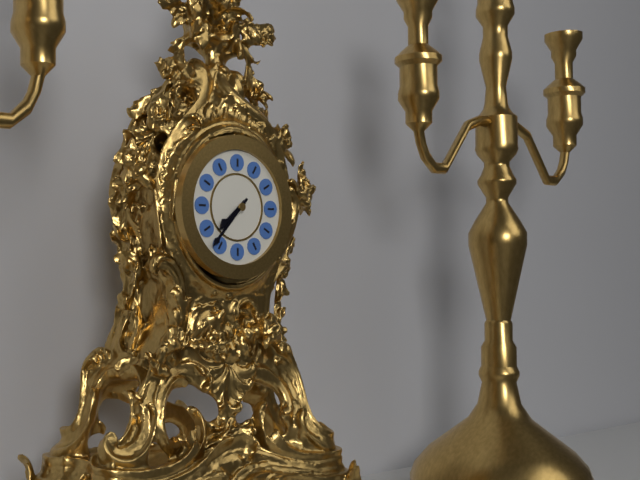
{"hour": 7, "minute": 37}
